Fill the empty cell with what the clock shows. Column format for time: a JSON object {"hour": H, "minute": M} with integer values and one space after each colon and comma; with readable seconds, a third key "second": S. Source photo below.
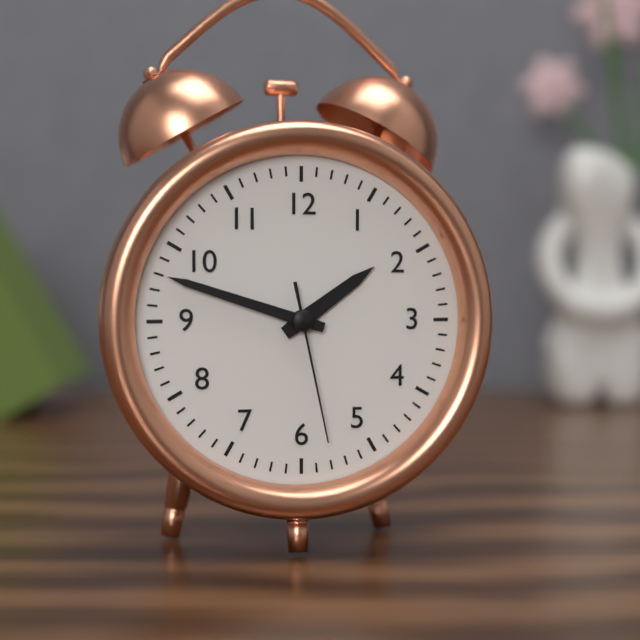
{"hour": 1, "minute": 48, "second": 28}
